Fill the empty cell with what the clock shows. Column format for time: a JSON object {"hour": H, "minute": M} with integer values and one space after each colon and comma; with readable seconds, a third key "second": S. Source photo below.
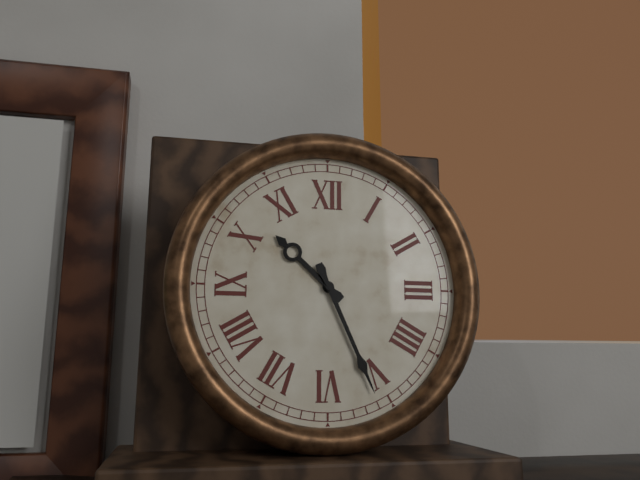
{"hour": 10, "minute": 26}
